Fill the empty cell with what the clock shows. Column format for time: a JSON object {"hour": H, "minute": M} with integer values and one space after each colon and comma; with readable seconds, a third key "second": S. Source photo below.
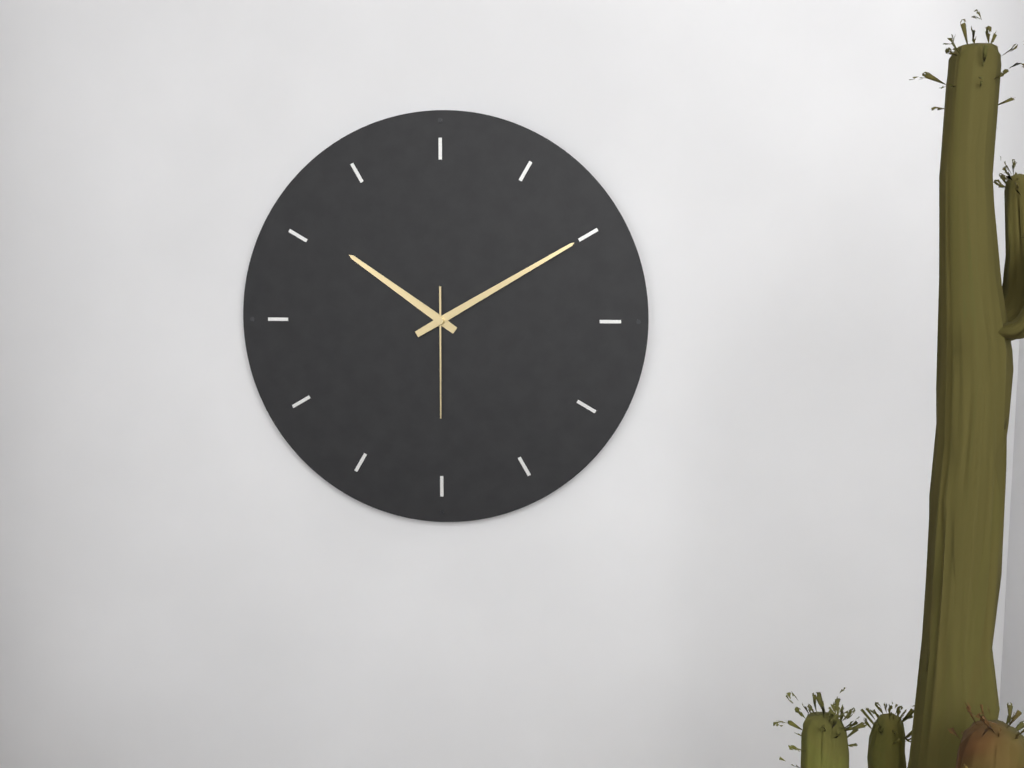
{"hour": 10, "minute": 10, "second": 30}
